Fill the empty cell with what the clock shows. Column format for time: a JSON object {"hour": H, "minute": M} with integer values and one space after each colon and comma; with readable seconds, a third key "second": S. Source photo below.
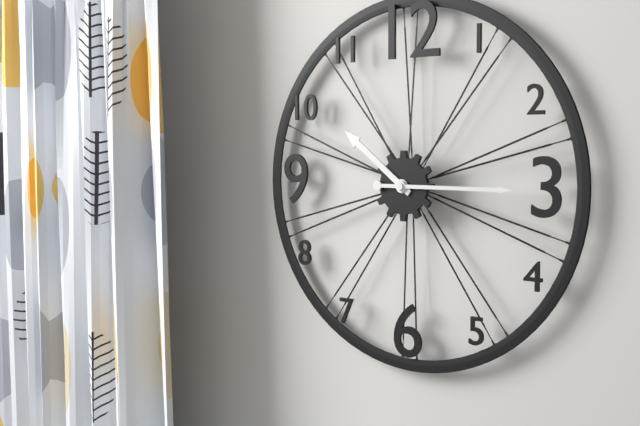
{"hour": 10, "minute": 15}
